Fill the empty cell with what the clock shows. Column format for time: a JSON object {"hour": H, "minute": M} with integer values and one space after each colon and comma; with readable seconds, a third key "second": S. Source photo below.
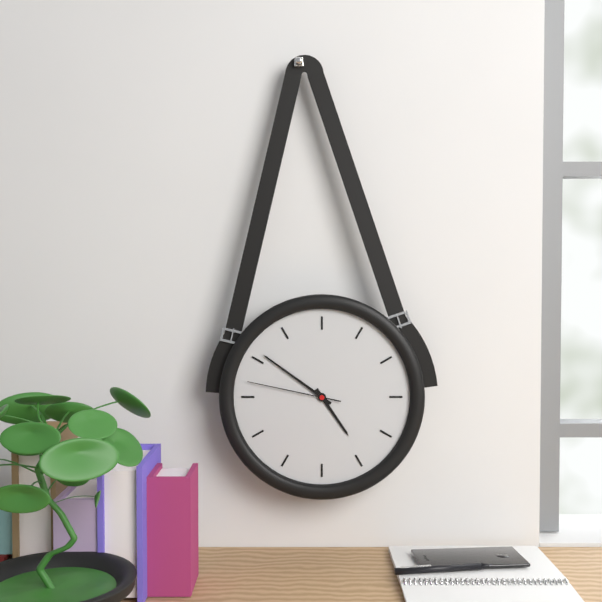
{"hour": 4, "minute": 51, "second": 47}
